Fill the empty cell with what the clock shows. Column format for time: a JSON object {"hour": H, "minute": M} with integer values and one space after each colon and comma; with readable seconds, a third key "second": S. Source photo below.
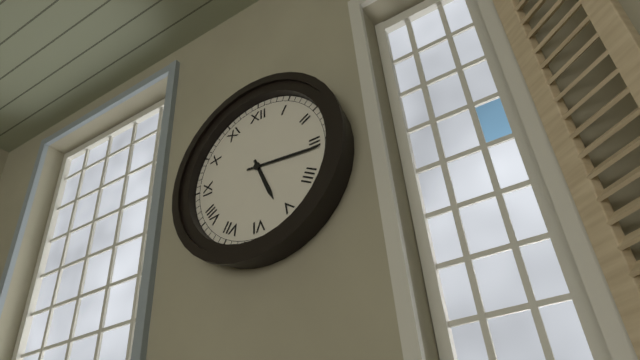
{"hour": 5, "minute": 16}
